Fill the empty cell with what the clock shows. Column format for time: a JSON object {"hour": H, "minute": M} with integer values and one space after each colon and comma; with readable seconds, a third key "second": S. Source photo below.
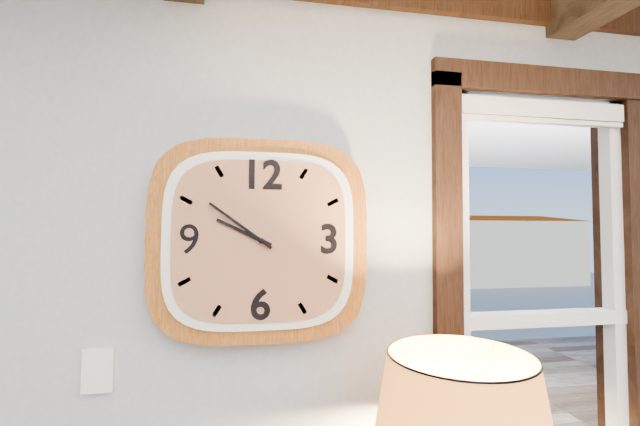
{"hour": 9, "minute": 51}
